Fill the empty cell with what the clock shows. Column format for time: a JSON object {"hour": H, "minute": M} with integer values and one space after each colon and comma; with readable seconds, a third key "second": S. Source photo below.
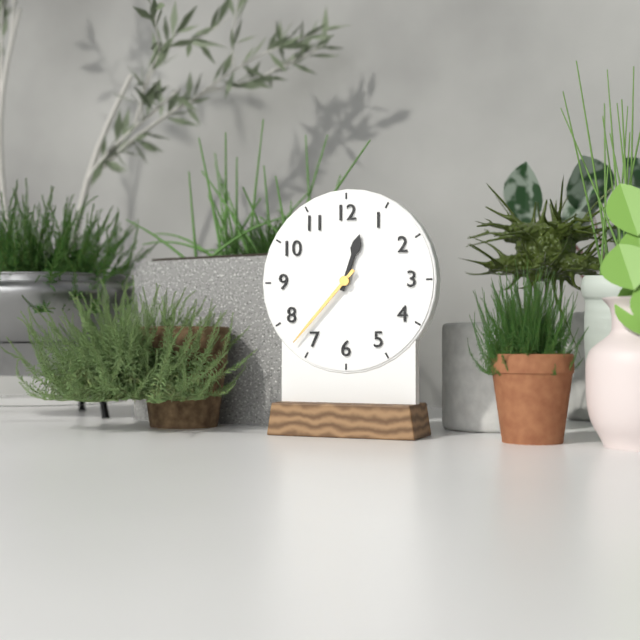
{"hour": 12, "minute": 37}
